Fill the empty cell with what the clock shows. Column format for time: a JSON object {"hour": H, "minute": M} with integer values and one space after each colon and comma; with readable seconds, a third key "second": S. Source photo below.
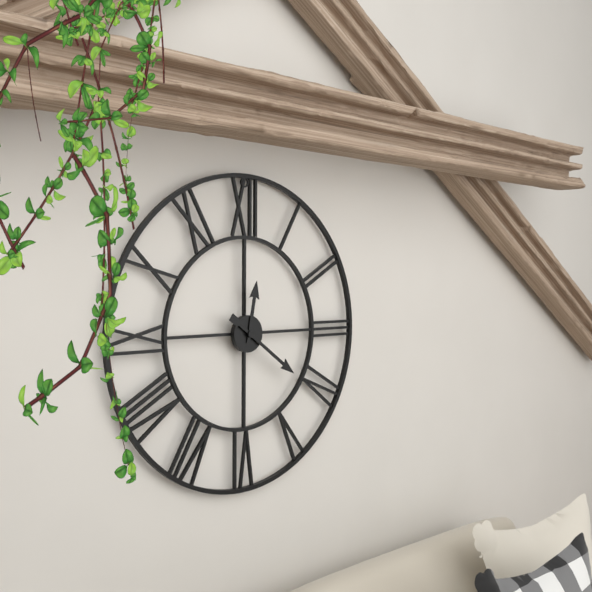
{"hour": 12, "minute": 21}
